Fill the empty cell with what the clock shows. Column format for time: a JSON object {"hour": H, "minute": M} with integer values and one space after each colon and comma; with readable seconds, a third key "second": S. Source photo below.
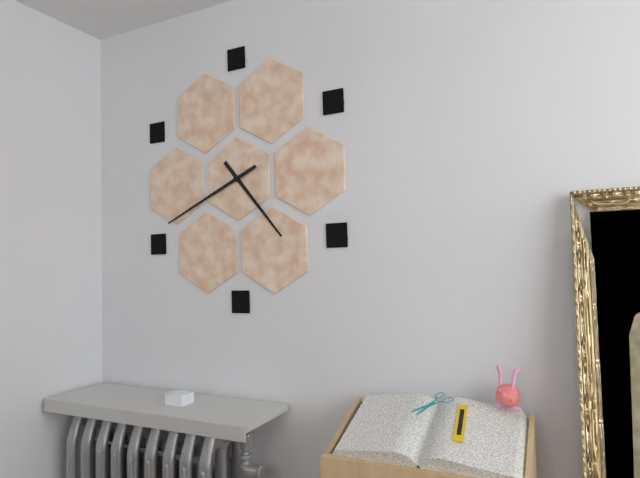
{"hour": 4, "minute": 41}
